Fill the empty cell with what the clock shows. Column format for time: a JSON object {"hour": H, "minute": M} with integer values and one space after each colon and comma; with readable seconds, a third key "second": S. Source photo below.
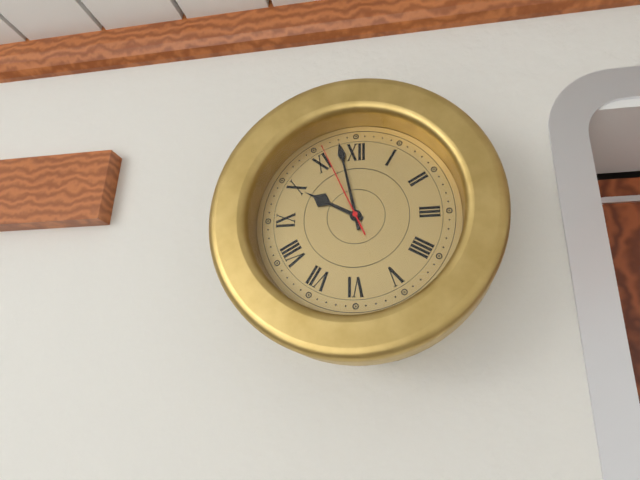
{"hour": 9, "minute": 58, "second": 56}
